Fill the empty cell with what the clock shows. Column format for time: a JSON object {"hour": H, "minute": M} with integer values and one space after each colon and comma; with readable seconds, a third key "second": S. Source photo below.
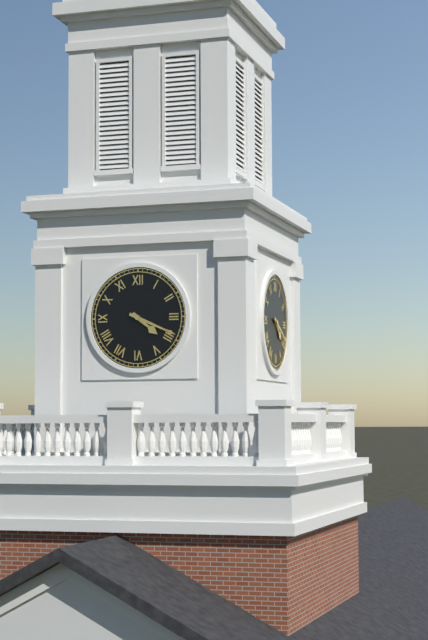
{"hour": 4, "minute": 19}
